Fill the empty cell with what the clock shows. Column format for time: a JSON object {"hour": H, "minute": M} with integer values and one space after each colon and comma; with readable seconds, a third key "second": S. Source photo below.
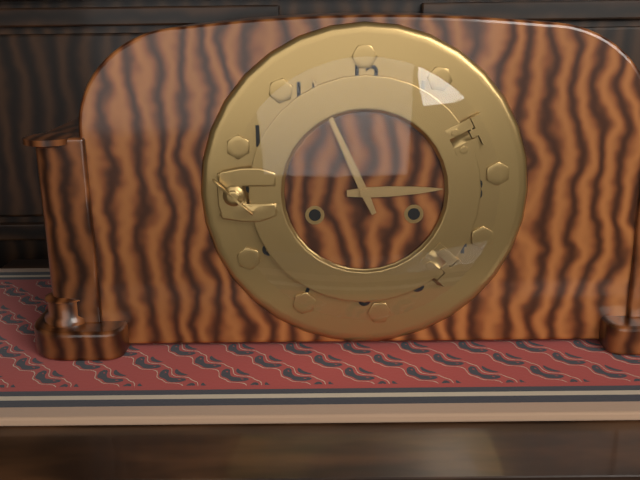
{"hour": 2, "minute": 56}
